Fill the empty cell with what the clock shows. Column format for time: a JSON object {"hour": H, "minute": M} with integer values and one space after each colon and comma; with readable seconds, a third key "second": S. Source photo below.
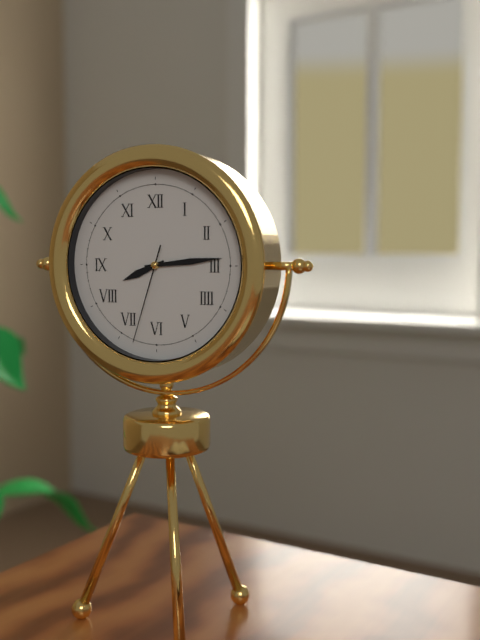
{"hour": 8, "minute": 14, "second": 33}
